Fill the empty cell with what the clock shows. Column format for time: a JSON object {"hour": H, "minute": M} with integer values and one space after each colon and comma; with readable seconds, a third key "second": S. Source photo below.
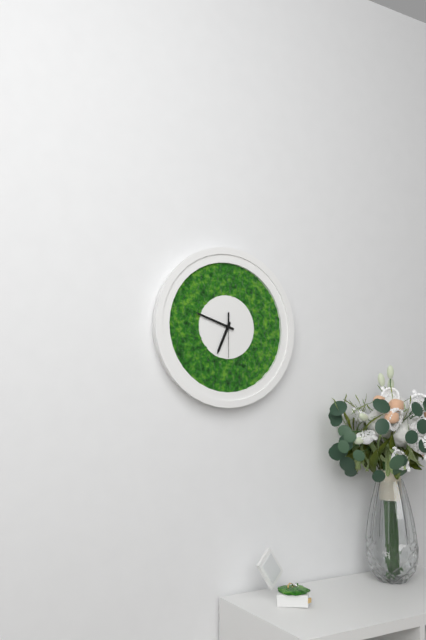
{"hour": 6, "minute": 48}
